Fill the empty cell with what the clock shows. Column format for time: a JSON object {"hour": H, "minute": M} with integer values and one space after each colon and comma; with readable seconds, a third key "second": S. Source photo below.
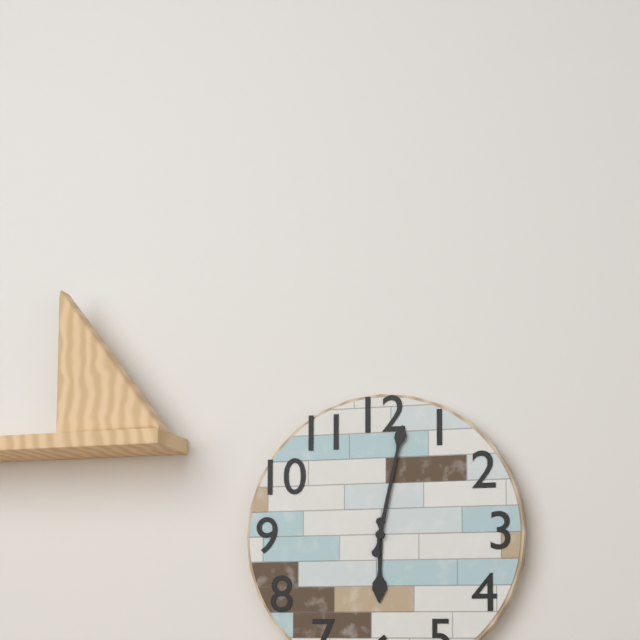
{"hour": 6, "minute": 2}
